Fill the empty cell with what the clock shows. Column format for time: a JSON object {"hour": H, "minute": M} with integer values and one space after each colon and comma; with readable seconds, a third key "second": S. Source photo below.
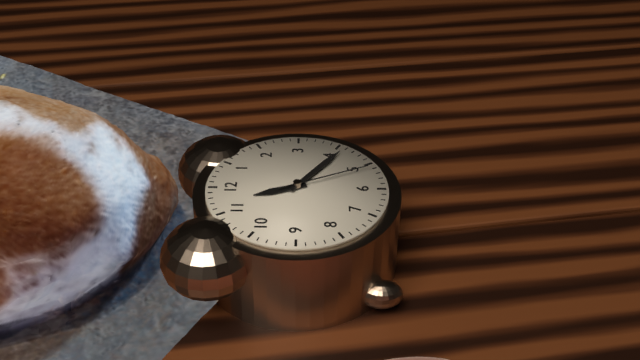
{"hour": 11, "minute": 21, "second": 26}
